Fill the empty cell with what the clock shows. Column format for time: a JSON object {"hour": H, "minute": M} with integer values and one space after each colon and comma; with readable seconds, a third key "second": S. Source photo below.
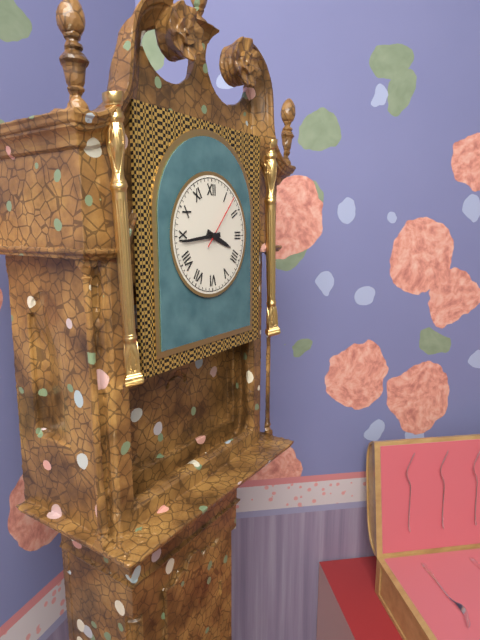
{"hour": 3, "minute": 44, "second": 7}
